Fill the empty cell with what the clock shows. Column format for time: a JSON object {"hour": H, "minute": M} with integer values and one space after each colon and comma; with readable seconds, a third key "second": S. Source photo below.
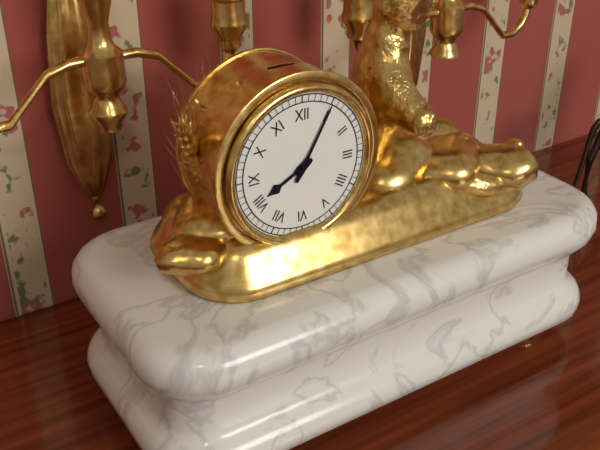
{"hour": 8, "minute": 5}
